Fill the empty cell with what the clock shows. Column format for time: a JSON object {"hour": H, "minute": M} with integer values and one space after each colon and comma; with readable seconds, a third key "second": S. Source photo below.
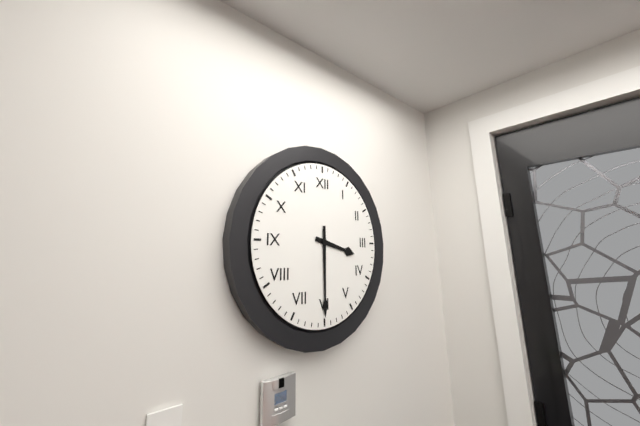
{"hour": 3, "minute": 30}
